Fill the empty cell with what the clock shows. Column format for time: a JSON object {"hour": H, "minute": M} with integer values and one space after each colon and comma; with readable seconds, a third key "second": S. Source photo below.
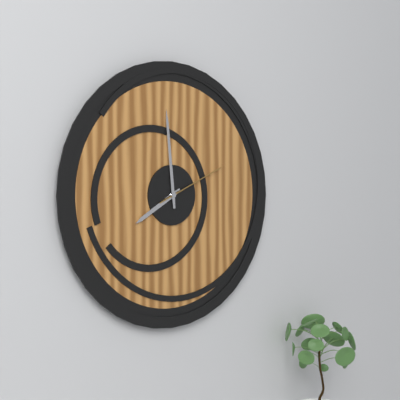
{"hour": 7, "minute": 59, "second": 11}
